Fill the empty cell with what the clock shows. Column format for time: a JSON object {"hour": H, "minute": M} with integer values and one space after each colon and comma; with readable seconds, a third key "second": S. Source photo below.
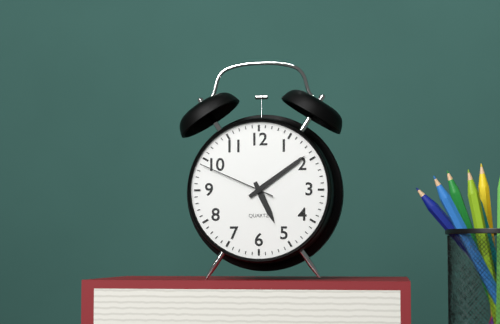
{"hour": 5, "minute": 9, "second": 49}
